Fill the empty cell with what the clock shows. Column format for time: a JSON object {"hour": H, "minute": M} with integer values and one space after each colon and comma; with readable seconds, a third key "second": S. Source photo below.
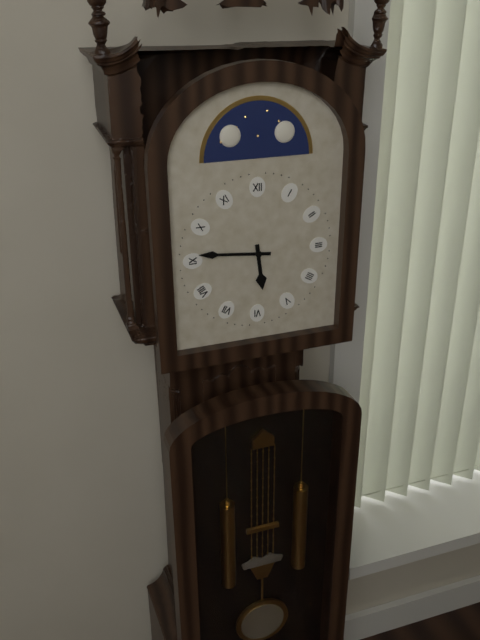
{"hour": 5, "minute": 46}
